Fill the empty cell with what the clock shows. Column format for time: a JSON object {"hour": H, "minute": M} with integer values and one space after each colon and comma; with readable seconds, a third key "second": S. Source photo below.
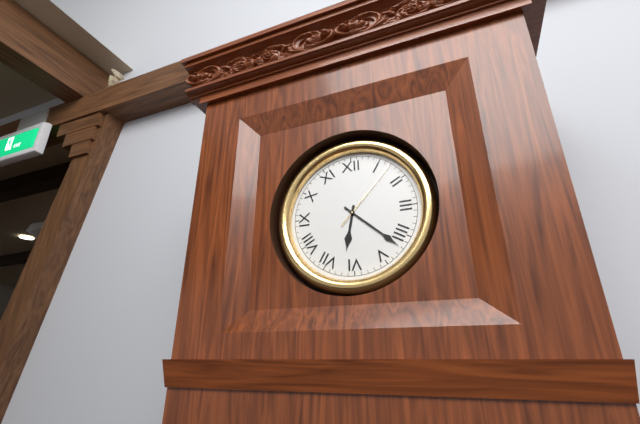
{"hour": 6, "minute": 22, "second": 7}
